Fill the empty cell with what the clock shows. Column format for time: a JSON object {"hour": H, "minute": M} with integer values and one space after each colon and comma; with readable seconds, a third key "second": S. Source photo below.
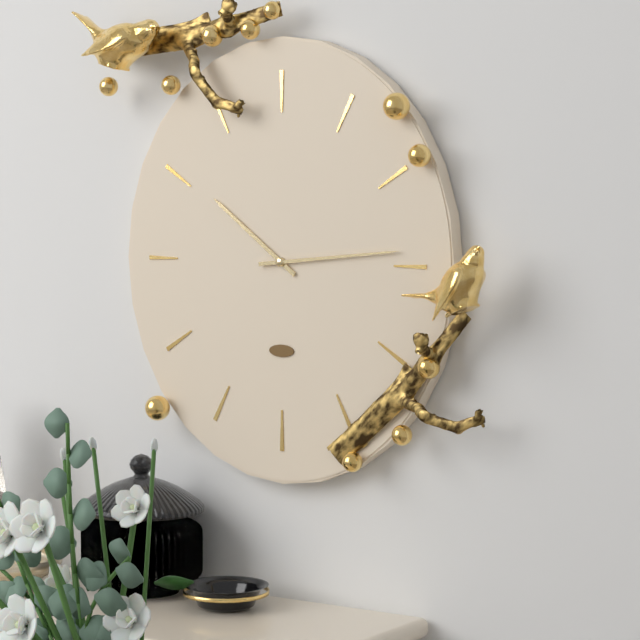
{"hour": 10, "minute": 14}
